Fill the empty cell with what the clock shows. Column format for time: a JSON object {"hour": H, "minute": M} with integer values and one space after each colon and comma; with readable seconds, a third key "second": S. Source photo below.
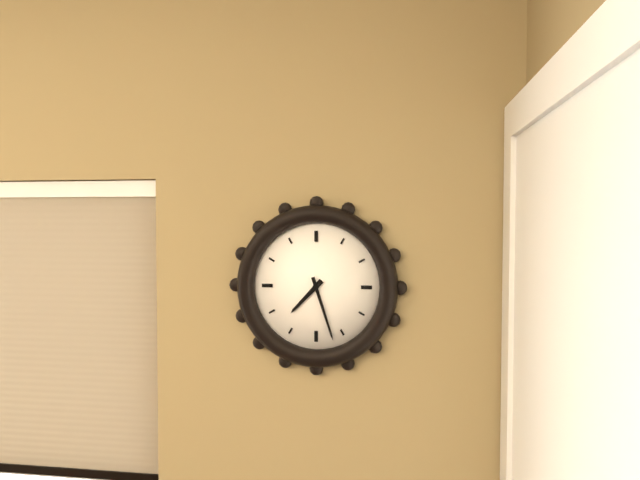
{"hour": 7, "minute": 27}
